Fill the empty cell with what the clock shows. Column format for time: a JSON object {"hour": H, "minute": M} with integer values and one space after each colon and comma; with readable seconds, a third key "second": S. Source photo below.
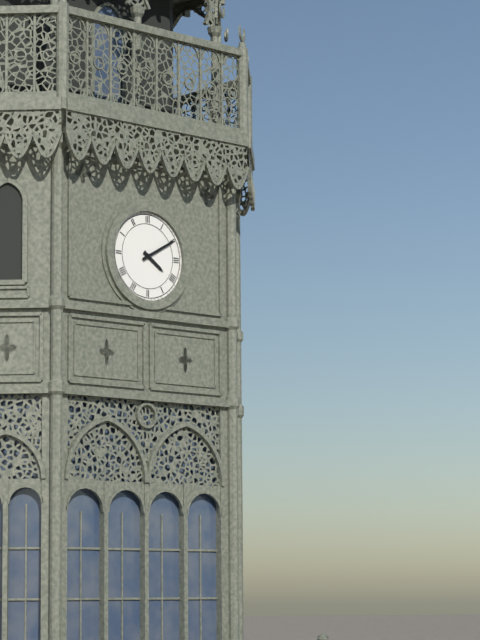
{"hour": 4, "minute": 10}
